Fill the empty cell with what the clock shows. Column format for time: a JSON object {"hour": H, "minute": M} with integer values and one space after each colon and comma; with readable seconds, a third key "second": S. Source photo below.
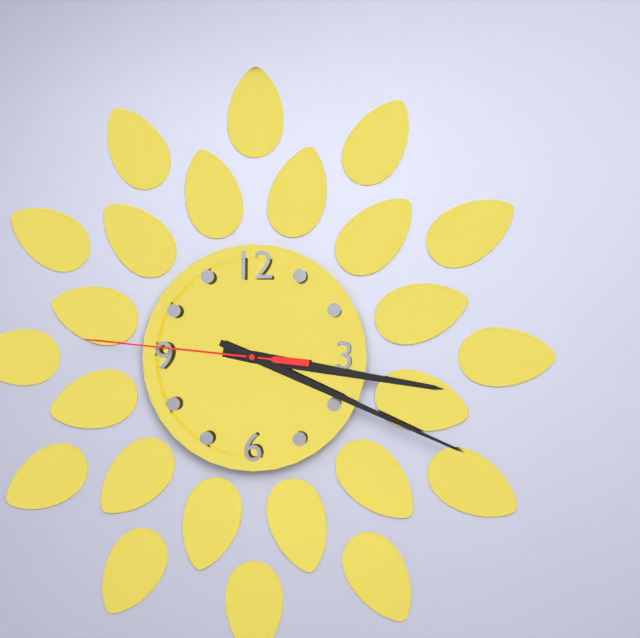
{"hour": 3, "minute": 19, "second": 46}
